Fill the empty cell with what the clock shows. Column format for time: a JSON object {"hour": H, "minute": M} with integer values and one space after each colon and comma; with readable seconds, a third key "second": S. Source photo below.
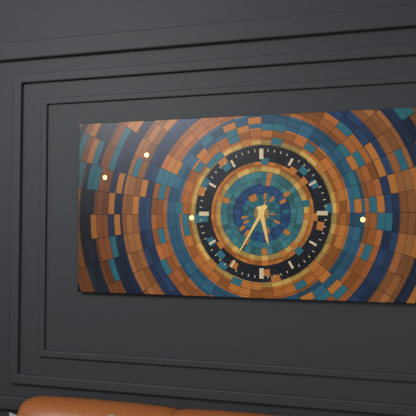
{"hour": 5, "minute": 35}
